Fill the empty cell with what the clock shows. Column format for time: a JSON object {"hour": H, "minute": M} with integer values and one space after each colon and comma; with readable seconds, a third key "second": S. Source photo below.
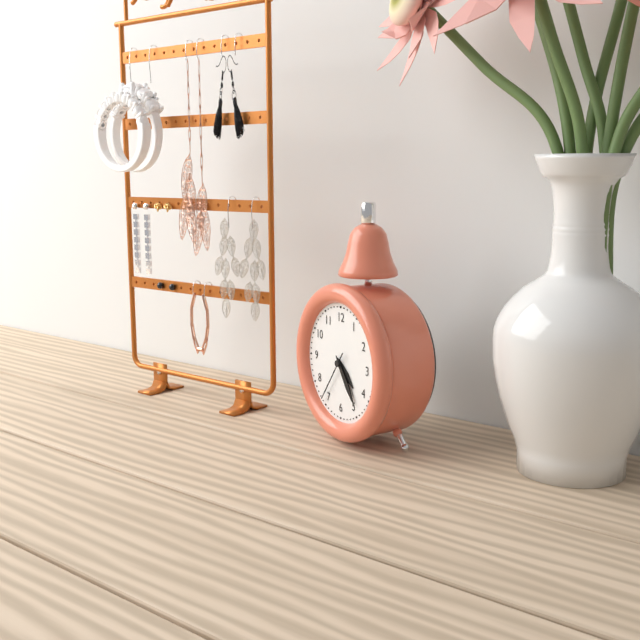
{"hour": 4, "minute": 24}
